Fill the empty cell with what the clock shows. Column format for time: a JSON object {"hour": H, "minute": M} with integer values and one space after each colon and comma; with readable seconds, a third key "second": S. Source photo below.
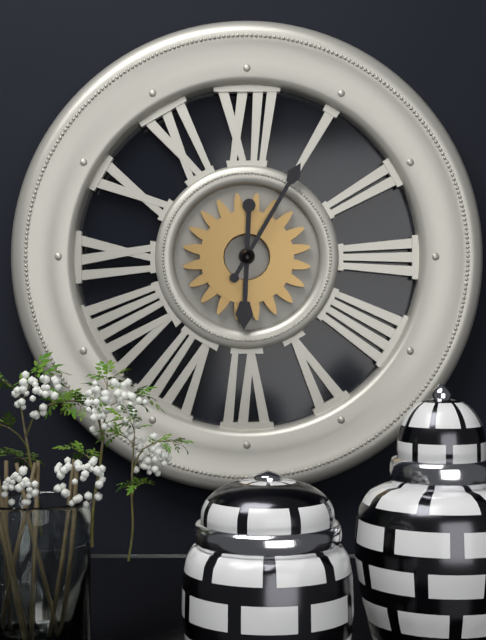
{"hour": 6, "minute": 5}
